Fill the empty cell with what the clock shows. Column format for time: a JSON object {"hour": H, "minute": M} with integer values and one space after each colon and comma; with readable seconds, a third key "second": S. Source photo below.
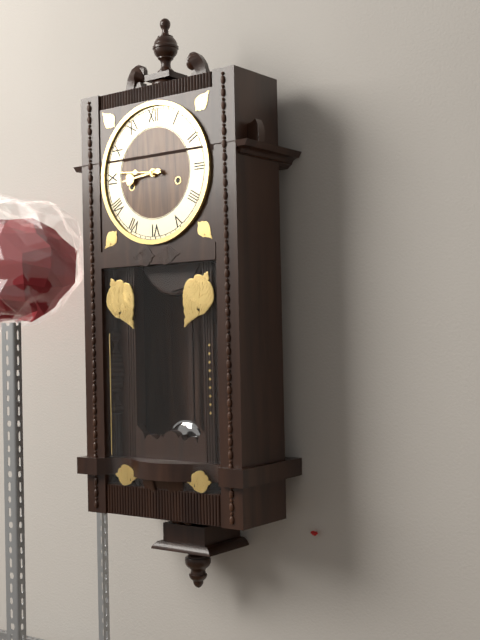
{"hour": 8, "minute": 46}
